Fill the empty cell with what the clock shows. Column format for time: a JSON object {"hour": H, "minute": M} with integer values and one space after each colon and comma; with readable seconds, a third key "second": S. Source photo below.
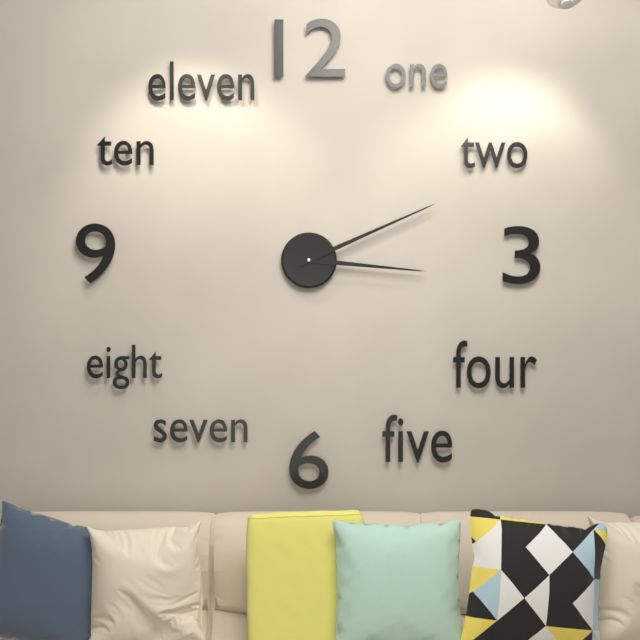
{"hour": 3, "minute": 11}
